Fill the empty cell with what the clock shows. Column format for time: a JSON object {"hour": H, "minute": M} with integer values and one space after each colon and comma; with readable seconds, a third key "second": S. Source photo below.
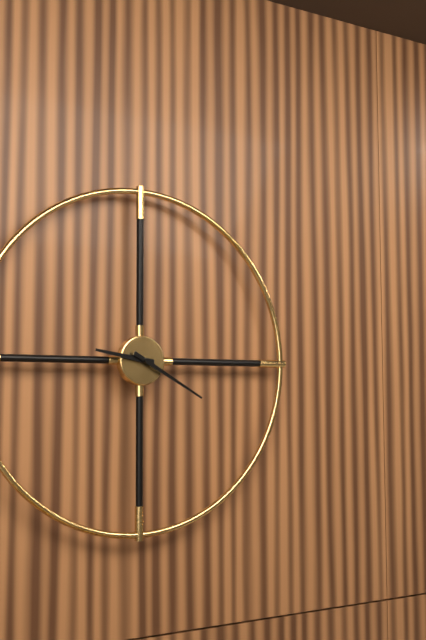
{"hour": 9, "minute": 20}
